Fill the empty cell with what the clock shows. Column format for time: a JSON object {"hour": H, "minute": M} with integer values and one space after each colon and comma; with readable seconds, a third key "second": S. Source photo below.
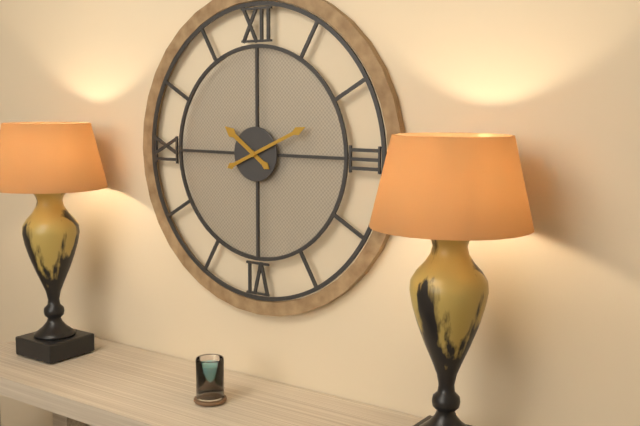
{"hour": 10, "minute": 11}
